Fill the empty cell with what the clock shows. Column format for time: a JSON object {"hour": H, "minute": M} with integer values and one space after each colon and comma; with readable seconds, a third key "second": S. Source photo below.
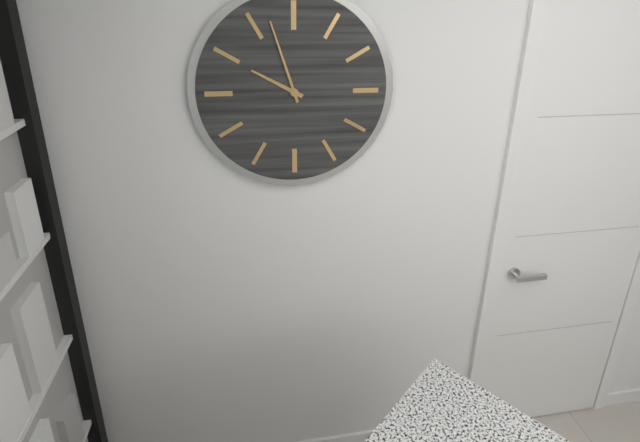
{"hour": 9, "minute": 57}
